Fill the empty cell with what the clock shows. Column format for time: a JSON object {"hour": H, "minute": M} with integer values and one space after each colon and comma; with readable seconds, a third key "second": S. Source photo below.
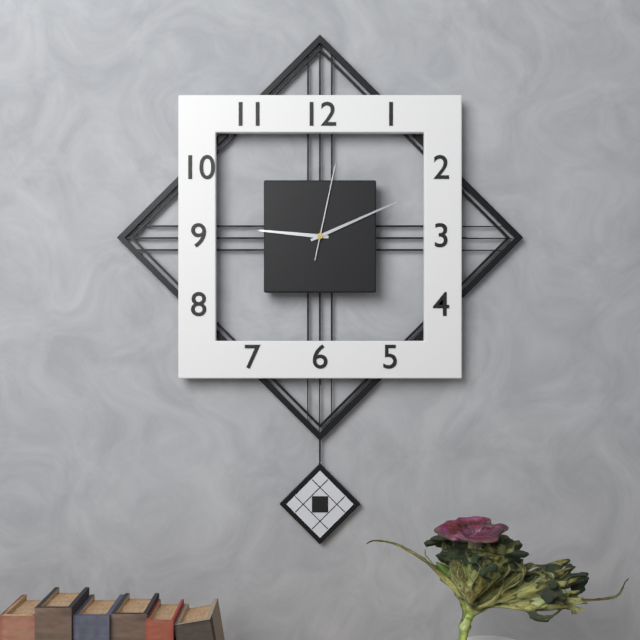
{"hour": 9, "minute": 11, "second": 2}
